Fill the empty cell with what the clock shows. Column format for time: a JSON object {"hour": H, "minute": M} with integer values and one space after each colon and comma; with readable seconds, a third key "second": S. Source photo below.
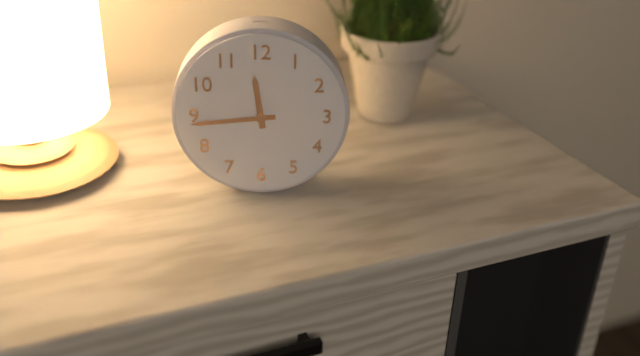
{"hour": 11, "minute": 44}
